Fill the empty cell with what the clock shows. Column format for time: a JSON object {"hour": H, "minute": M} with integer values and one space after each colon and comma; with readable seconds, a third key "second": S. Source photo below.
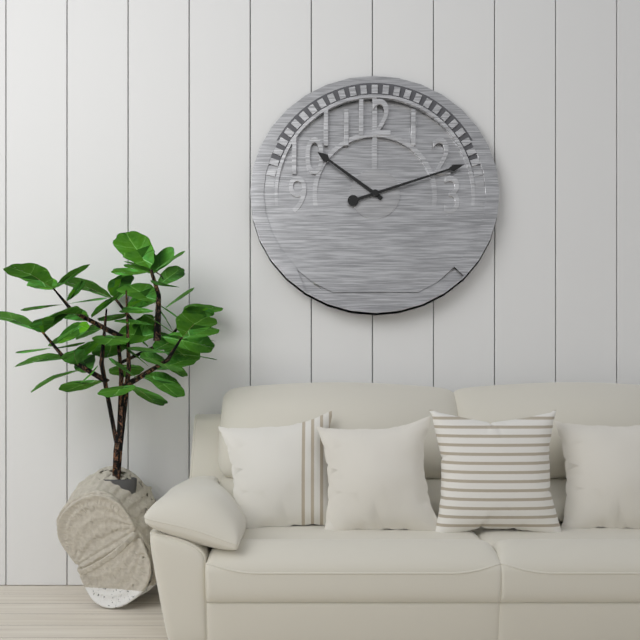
{"hour": 10, "minute": 12}
